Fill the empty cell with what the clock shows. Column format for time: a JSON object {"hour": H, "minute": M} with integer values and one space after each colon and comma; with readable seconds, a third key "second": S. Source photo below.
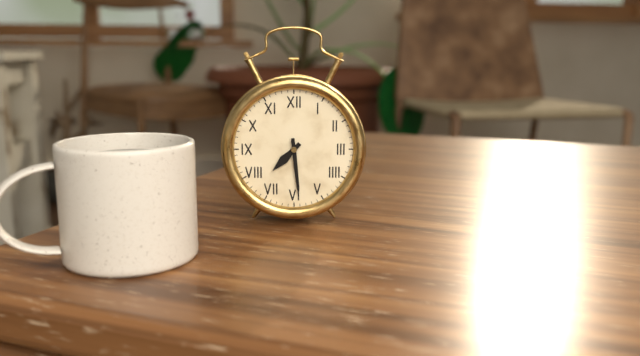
{"hour": 7, "minute": 29}
